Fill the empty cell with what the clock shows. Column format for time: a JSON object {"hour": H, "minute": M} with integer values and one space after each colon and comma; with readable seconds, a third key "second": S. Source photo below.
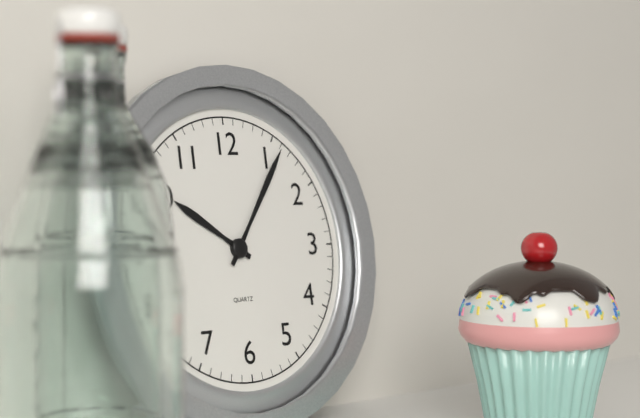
{"hour": 10, "minute": 6}
